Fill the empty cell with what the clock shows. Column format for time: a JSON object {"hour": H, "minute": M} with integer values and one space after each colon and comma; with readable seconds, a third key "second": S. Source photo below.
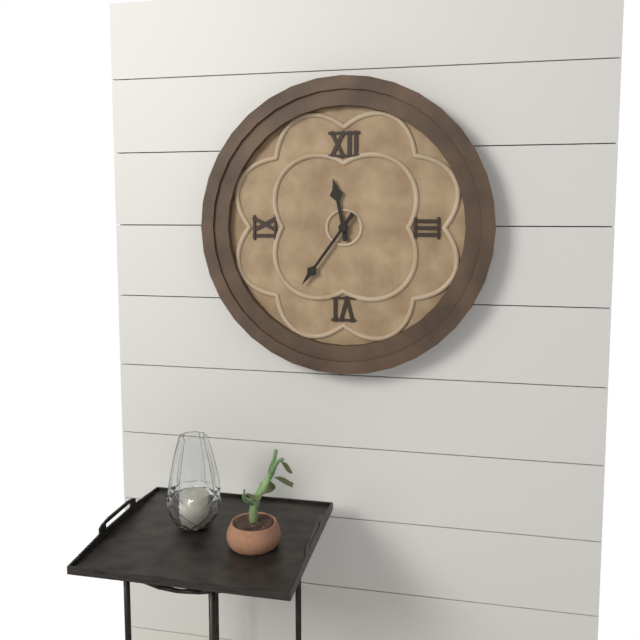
{"hour": 11, "minute": 36}
